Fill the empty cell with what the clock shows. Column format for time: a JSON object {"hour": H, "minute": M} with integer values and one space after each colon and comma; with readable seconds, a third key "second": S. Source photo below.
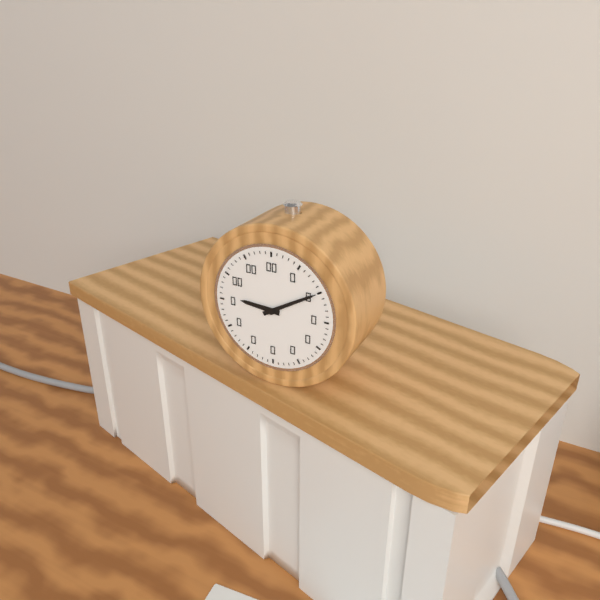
{"hour": 9, "minute": 10}
